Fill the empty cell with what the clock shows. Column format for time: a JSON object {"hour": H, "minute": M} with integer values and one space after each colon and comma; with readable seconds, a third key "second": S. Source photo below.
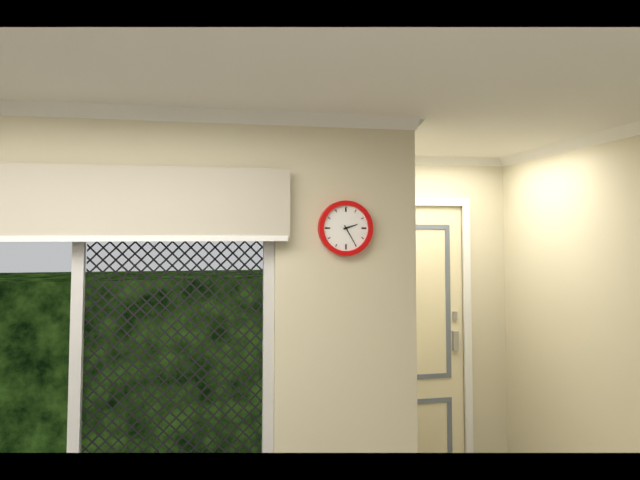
{"hour": 2, "minute": 25}
